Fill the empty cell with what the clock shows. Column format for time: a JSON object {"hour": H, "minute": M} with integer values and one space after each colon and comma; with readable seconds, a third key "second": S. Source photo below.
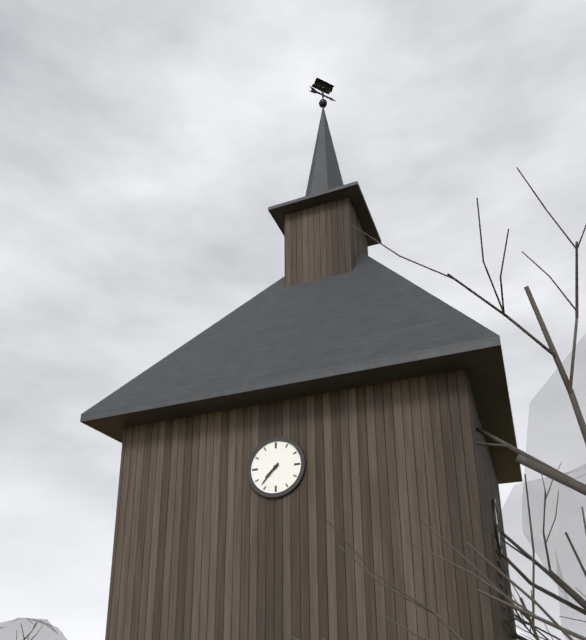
{"hour": 7, "minute": 37}
